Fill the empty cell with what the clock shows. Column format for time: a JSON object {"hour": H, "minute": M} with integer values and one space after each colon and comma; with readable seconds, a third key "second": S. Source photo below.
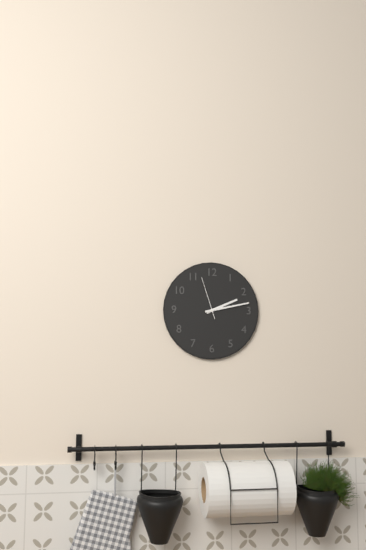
{"hour": 2, "minute": 13}
